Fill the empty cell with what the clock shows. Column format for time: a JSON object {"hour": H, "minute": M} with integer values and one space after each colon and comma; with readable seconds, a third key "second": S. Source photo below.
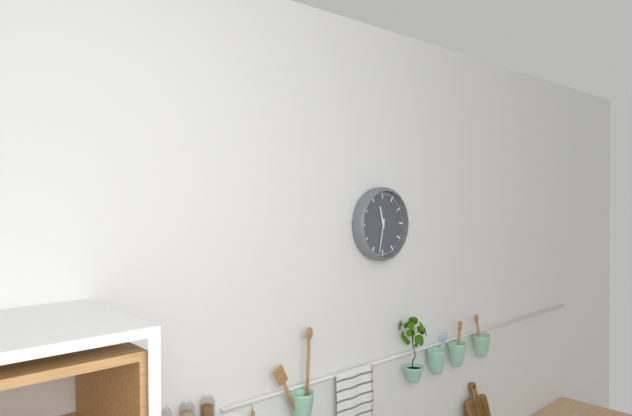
{"hour": 11, "minute": 32}
